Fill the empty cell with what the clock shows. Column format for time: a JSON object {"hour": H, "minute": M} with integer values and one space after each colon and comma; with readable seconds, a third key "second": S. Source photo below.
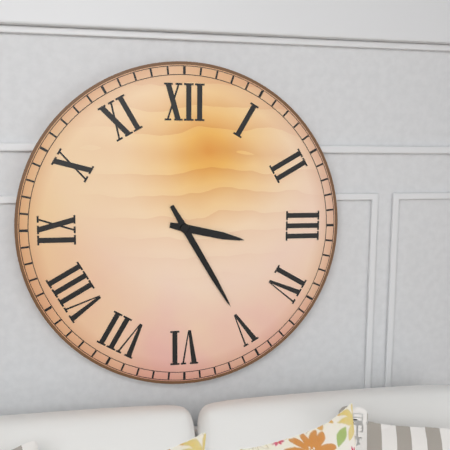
{"hour": 3, "minute": 25}
